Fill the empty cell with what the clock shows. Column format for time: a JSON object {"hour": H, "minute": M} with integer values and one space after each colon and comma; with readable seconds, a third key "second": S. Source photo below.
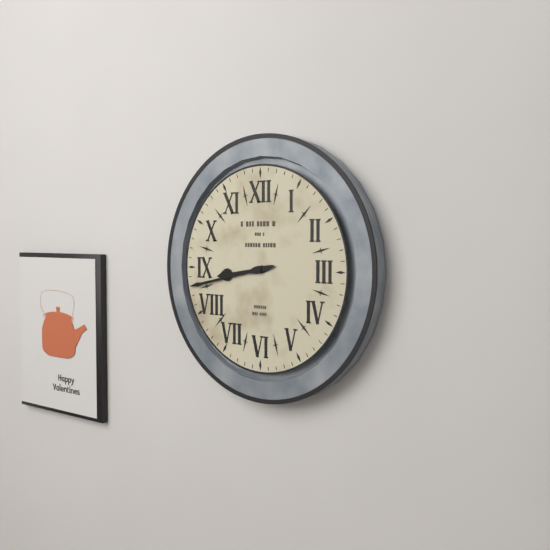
{"hour": 8, "minute": 43}
